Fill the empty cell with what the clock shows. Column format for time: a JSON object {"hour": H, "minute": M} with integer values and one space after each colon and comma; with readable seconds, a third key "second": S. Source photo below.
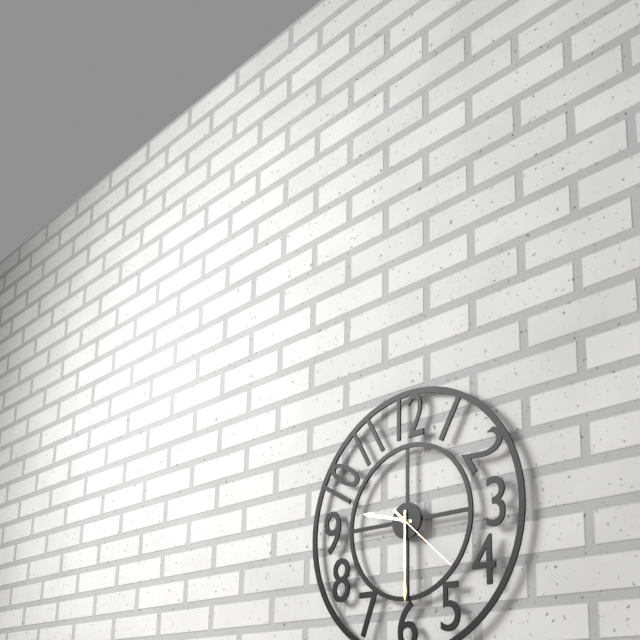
{"hour": 9, "minute": 30, "second": 22}
